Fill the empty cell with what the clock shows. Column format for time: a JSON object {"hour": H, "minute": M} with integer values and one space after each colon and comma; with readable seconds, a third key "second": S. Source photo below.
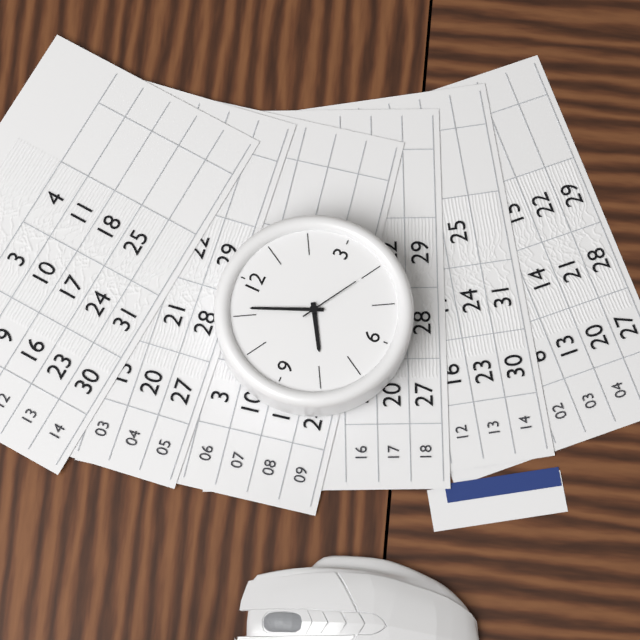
{"hour": 7, "minute": 56, "second": 20}
